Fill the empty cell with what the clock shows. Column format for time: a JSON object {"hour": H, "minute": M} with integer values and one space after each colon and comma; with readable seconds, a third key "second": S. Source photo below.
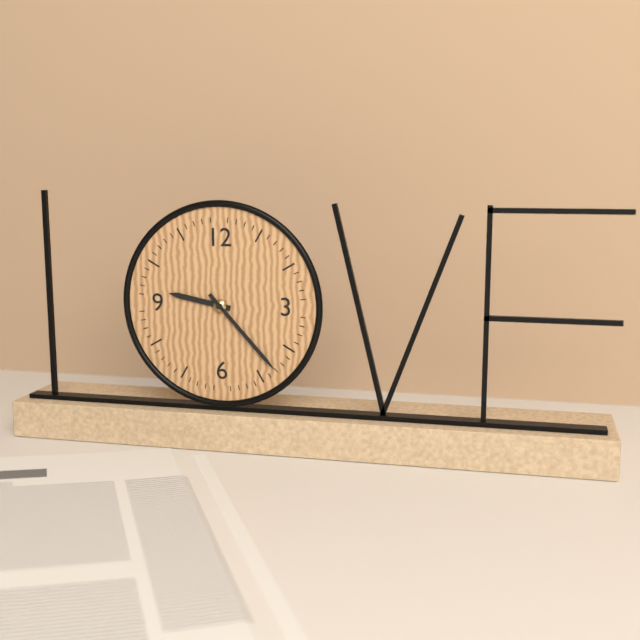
{"hour": 9, "minute": 23}
